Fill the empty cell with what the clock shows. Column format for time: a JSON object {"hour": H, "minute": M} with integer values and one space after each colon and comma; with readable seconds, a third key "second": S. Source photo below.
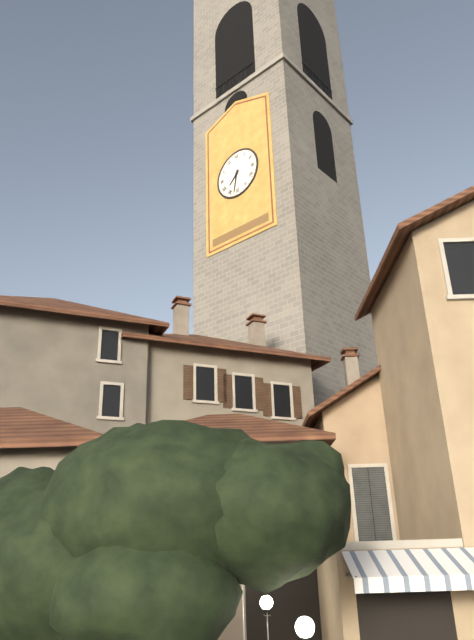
{"hour": 7, "minute": 32}
